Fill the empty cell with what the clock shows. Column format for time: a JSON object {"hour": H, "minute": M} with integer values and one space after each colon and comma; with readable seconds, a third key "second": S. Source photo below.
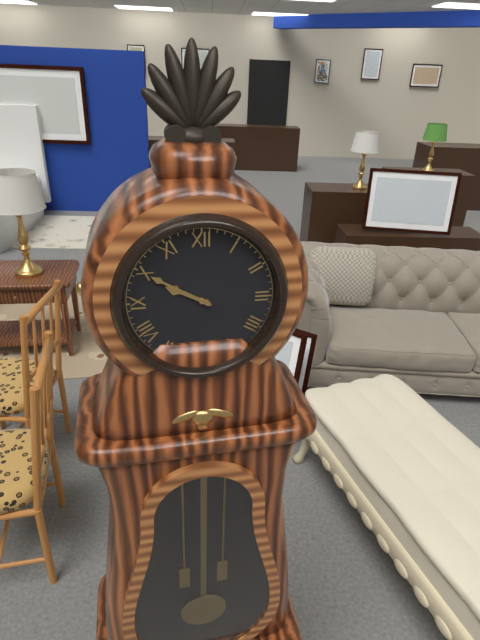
{"hour": 9, "minute": 50}
